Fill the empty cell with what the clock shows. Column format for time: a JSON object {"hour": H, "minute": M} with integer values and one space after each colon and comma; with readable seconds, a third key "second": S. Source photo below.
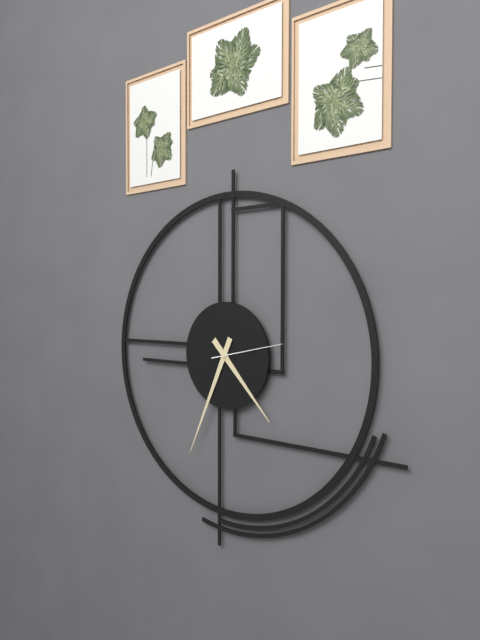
{"hour": 4, "minute": 34, "second": 13}
